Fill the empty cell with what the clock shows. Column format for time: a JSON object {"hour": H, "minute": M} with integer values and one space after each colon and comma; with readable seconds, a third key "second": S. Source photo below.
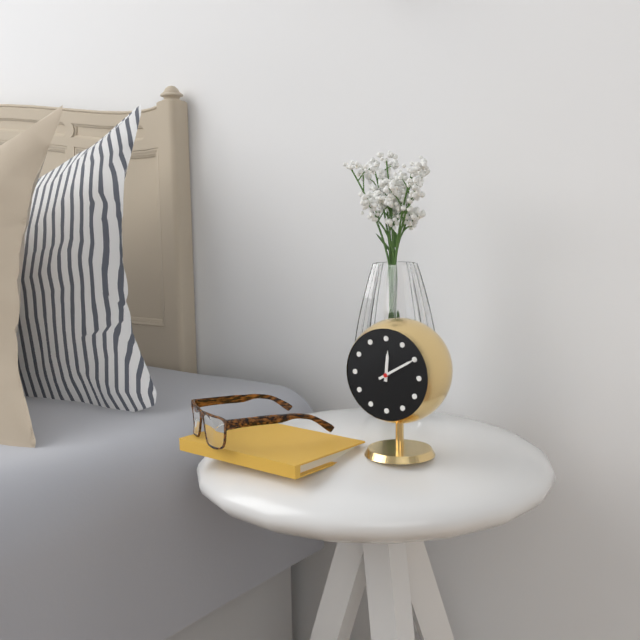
{"hour": 12, "minute": 10}
